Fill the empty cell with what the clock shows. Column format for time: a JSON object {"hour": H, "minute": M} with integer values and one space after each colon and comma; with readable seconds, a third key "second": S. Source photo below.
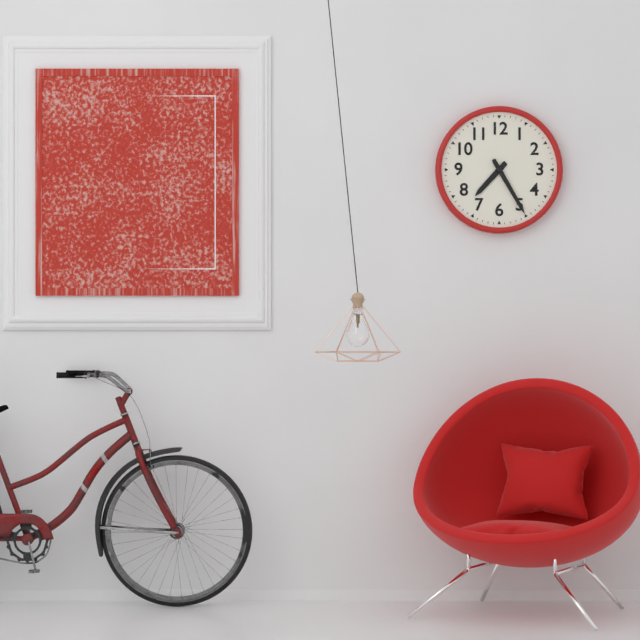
{"hour": 7, "minute": 25}
